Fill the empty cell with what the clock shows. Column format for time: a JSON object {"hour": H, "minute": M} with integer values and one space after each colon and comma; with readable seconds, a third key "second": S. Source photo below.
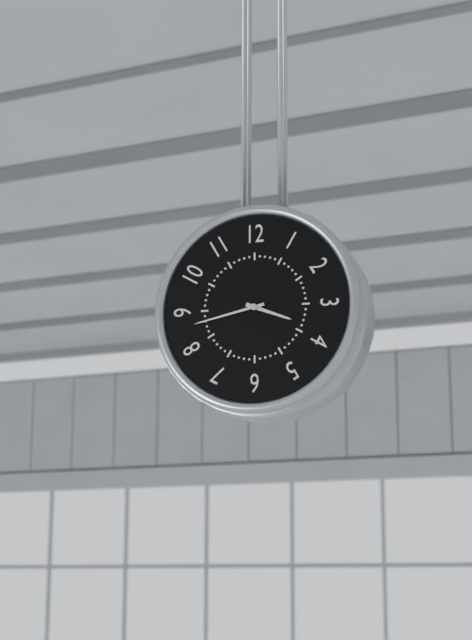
{"hour": 3, "minute": 43}
